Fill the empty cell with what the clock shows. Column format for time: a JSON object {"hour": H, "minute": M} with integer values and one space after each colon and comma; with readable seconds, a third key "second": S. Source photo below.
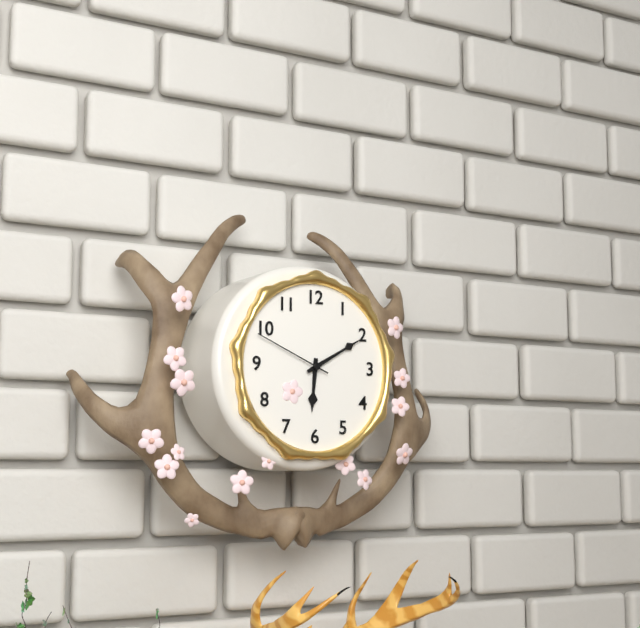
{"hour": 6, "minute": 10, "second": 49}
